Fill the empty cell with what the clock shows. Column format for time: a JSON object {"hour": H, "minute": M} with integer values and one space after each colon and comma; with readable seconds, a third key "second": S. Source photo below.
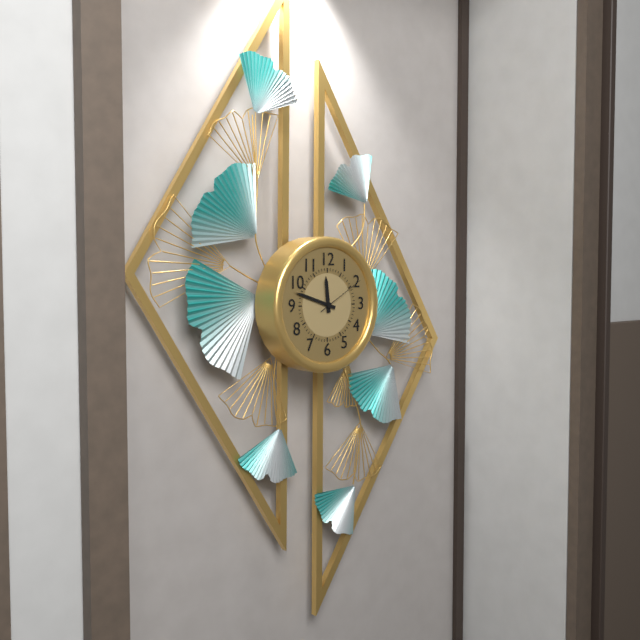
{"hour": 11, "minute": 48, "second": 10}
